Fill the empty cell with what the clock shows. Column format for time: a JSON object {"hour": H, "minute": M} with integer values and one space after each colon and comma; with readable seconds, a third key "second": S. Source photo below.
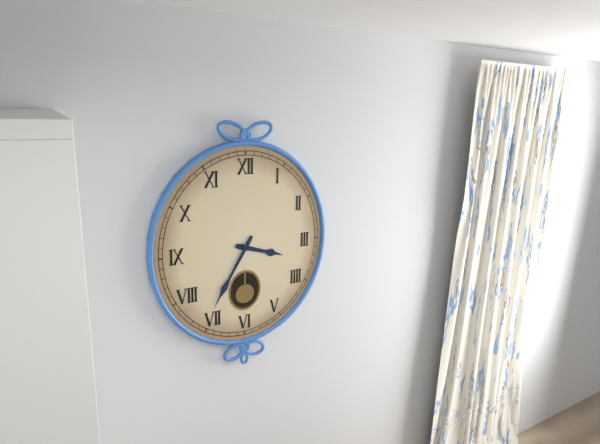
{"hour": 3, "minute": 35}
